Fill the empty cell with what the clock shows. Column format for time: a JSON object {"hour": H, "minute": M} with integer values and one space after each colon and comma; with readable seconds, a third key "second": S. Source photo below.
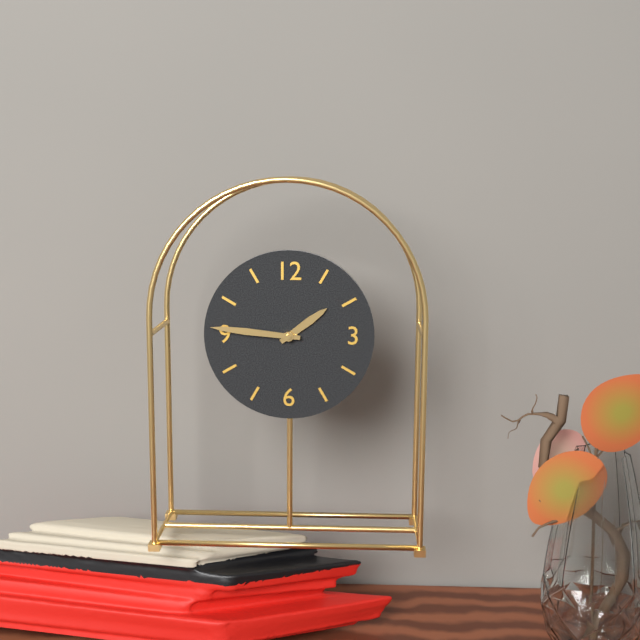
{"hour": 1, "minute": 46}
